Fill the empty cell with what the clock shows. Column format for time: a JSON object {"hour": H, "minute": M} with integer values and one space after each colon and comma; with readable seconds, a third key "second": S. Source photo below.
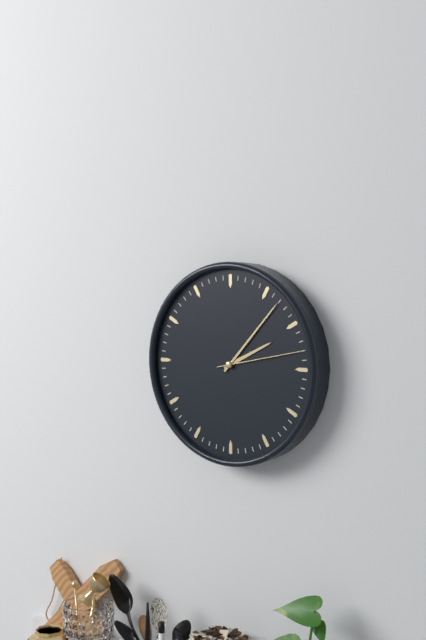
{"hour": 2, "minute": 7, "second": 13}
